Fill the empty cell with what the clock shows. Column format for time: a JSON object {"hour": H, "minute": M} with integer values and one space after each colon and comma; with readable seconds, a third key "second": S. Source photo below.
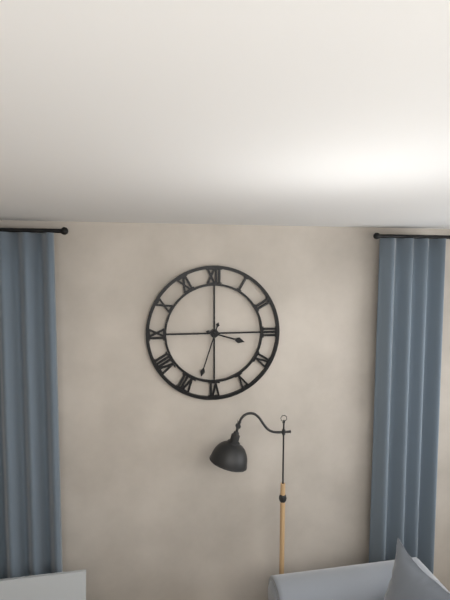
{"hour": 3, "minute": 33}
